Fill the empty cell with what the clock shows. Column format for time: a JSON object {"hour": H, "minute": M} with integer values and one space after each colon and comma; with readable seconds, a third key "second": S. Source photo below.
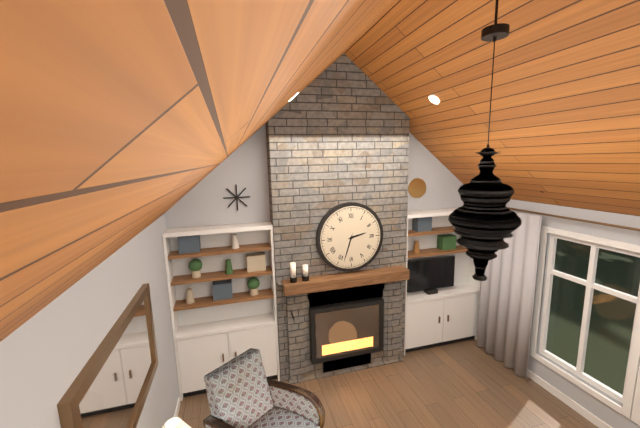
{"hour": 2, "minute": 33}
